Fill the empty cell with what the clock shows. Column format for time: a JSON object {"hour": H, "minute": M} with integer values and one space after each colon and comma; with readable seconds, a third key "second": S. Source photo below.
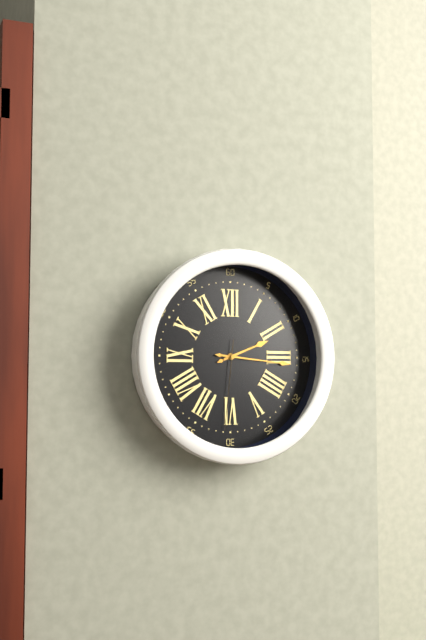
{"hour": 2, "minute": 16, "second": 31}
